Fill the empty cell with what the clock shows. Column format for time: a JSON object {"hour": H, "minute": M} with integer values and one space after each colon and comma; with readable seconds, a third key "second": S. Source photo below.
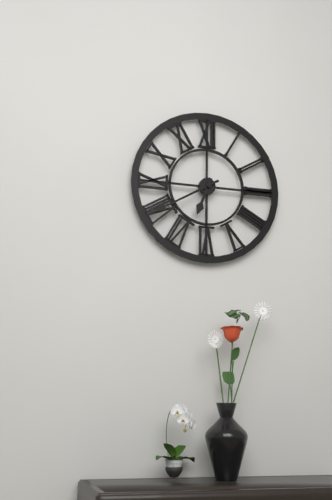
{"hour": 6, "minute": 40}
